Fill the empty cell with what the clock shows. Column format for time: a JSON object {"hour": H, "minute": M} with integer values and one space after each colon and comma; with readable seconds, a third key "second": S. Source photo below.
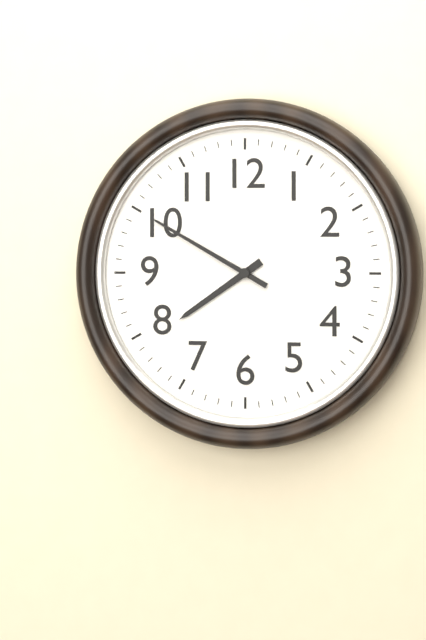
{"hour": 7, "minute": 50}
